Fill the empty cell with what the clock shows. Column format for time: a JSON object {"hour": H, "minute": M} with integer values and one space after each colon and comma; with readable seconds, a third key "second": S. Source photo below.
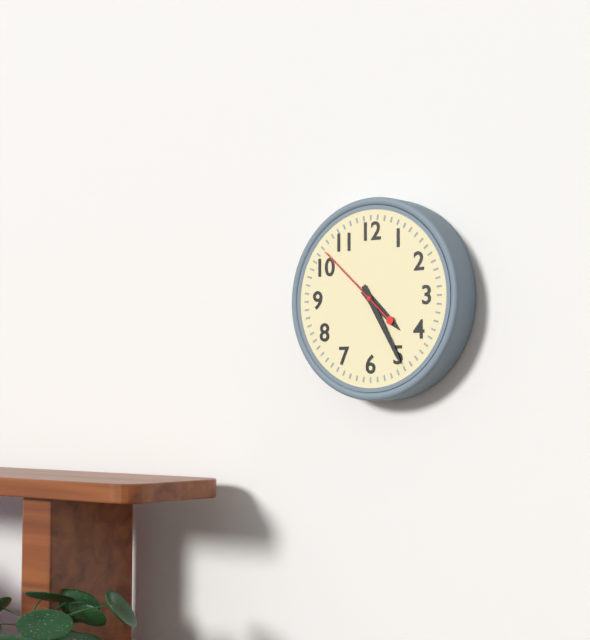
{"hour": 4, "minute": 25, "second": 52}
